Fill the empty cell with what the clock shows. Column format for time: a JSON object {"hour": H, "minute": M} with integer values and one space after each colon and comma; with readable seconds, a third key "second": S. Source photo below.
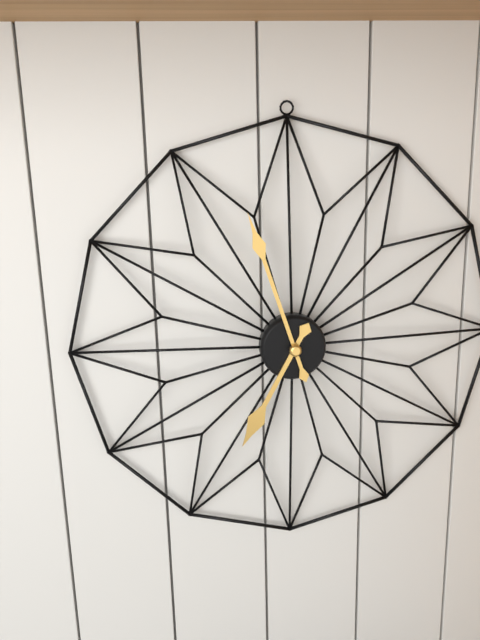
{"hour": 6, "minute": 57}
